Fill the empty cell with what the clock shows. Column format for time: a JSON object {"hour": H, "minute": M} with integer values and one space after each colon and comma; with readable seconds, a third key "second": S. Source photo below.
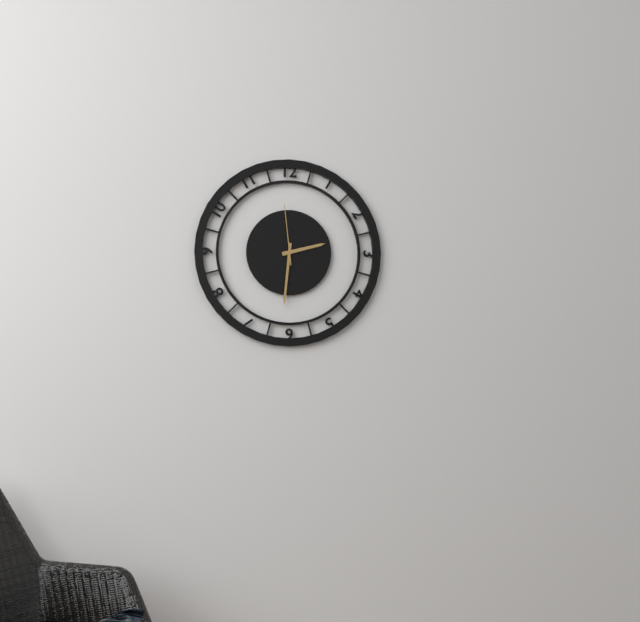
{"hour": 2, "minute": 31, "second": 59}
